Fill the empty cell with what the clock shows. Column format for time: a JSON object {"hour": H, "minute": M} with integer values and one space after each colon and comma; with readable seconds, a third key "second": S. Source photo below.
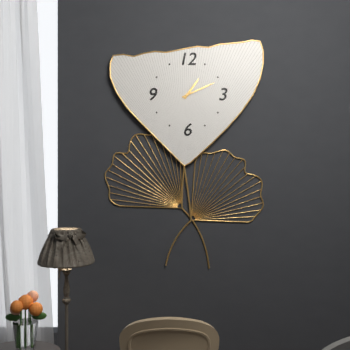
{"hour": 1, "minute": 11}
